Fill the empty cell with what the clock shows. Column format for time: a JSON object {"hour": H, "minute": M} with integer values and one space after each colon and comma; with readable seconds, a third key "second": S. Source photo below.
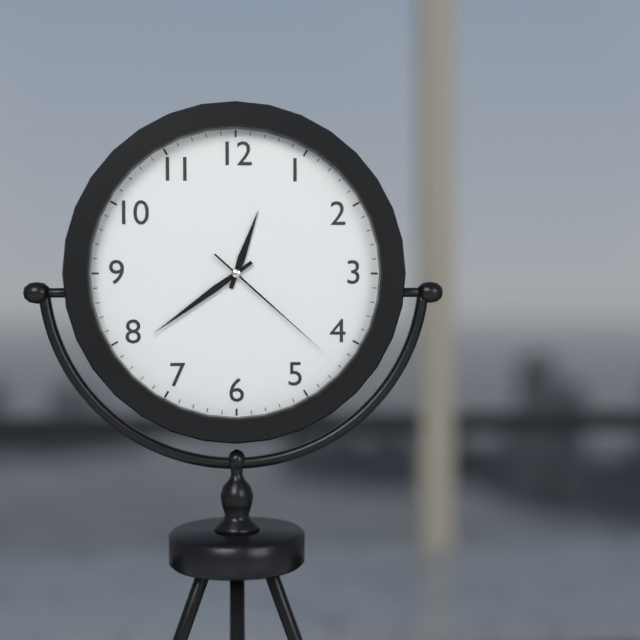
{"hour": 12, "minute": 39, "second": 22}
